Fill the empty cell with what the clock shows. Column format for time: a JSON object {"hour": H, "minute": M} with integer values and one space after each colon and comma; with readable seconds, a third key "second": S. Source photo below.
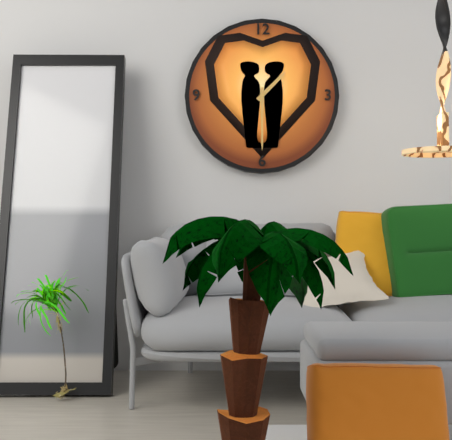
{"hour": 1, "minute": 30}
